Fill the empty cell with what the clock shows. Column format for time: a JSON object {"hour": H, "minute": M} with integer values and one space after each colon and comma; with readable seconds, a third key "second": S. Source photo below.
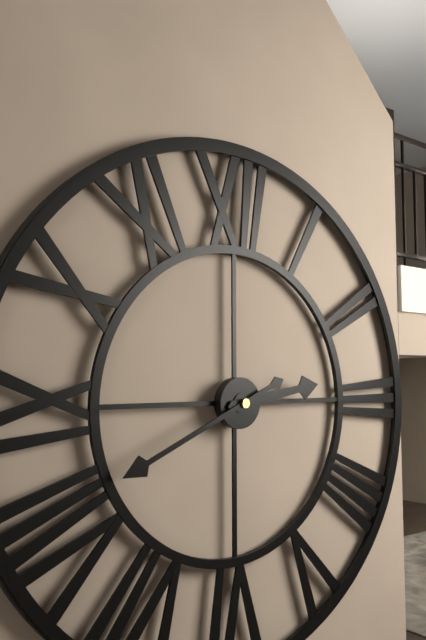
{"hour": 2, "minute": 41}
